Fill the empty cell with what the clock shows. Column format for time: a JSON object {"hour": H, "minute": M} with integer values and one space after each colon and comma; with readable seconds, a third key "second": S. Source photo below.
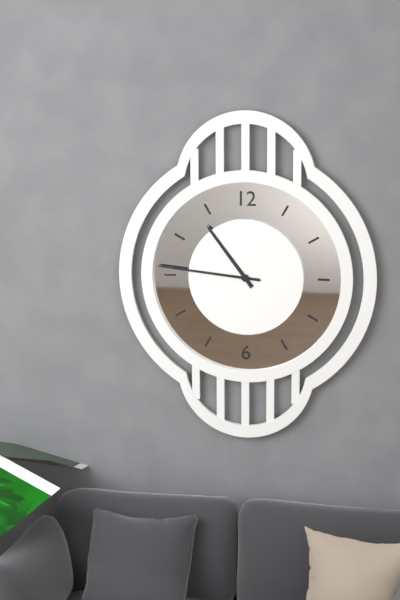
{"hour": 10, "minute": 46}
